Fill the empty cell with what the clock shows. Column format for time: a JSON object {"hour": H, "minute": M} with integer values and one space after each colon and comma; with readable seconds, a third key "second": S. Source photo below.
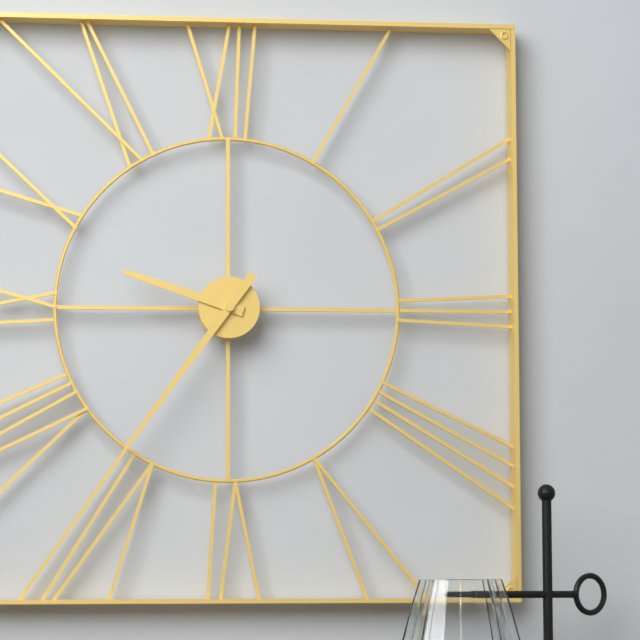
{"hour": 9, "minute": 36}
